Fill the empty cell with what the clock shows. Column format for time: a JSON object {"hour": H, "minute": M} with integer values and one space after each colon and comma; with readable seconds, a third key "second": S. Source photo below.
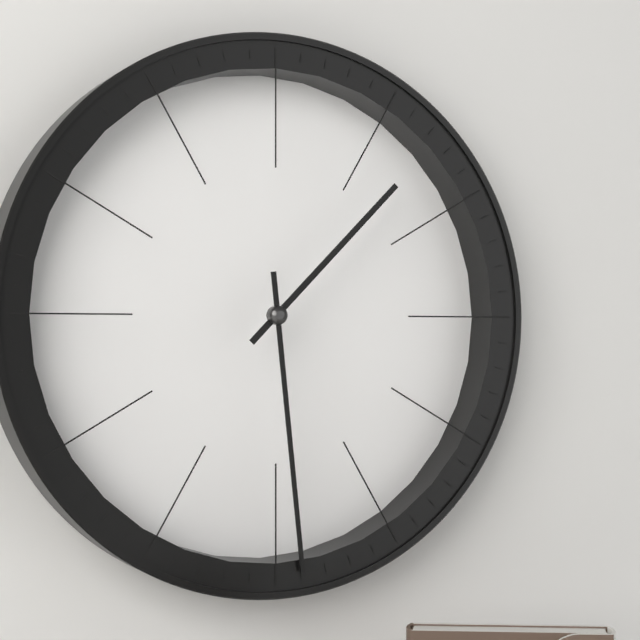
{"hour": 1, "minute": 29}
